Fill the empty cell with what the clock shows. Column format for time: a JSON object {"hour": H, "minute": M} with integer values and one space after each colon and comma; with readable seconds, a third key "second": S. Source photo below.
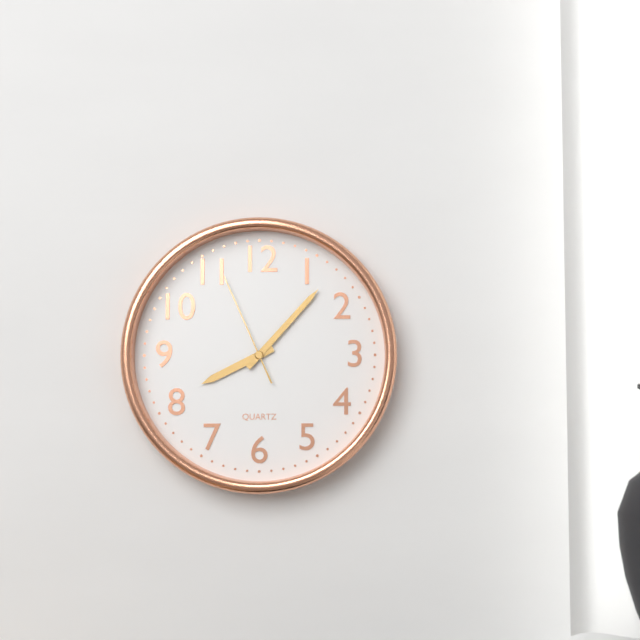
{"hour": 8, "minute": 7, "second": 56}
